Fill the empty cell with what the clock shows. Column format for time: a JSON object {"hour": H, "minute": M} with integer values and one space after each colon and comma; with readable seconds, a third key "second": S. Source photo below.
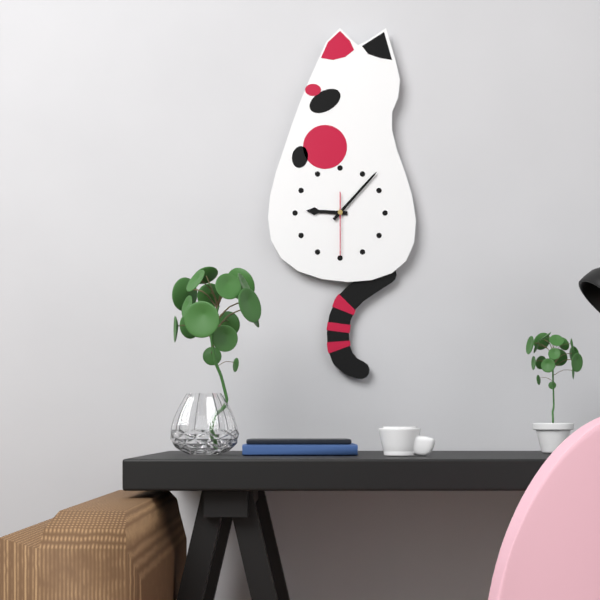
{"hour": 9, "minute": 7, "second": 30}
